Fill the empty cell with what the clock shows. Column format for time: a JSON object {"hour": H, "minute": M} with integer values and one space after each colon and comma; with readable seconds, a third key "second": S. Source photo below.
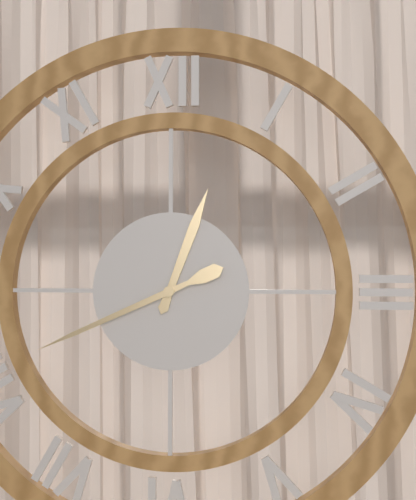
{"hour": 12, "minute": 41}
